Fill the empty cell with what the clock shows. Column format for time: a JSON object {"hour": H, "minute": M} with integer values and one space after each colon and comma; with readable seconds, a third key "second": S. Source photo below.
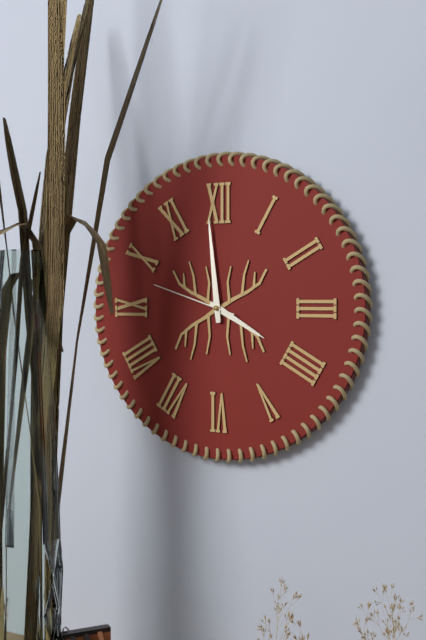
{"hour": 3, "minute": 59, "second": 48}
